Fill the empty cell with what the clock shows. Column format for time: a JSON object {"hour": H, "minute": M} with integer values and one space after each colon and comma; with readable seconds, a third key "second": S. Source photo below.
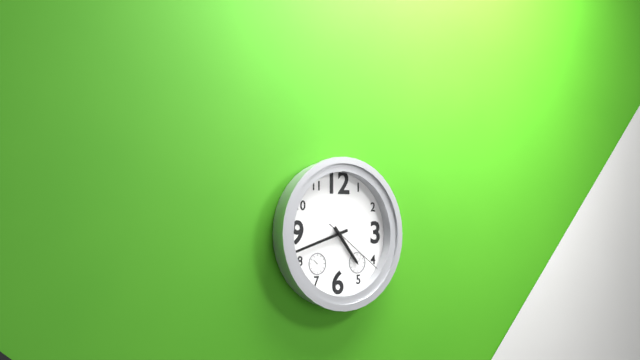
{"hour": 4, "minute": 42, "second": 21}
